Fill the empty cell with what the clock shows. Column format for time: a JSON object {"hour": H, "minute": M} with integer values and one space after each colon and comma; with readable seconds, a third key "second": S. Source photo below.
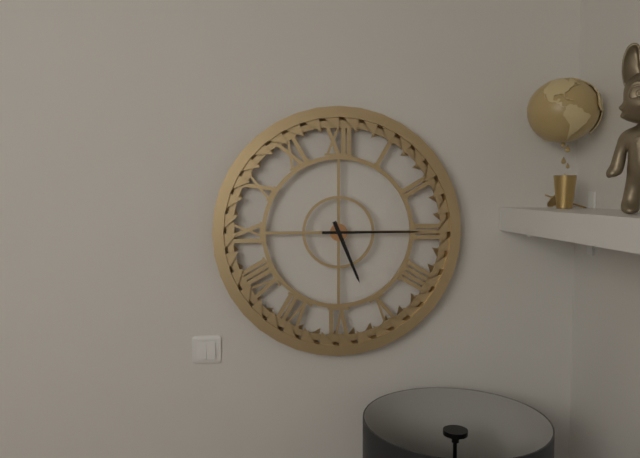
{"hour": 5, "minute": 15}
